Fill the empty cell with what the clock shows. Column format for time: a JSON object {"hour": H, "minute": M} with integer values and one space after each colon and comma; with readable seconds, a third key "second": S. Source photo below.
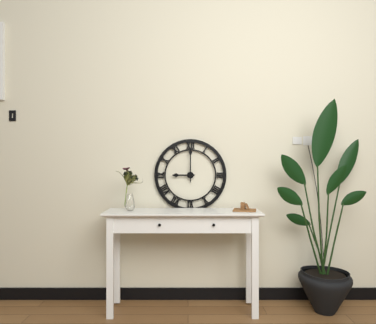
{"hour": 9, "minute": 0}
